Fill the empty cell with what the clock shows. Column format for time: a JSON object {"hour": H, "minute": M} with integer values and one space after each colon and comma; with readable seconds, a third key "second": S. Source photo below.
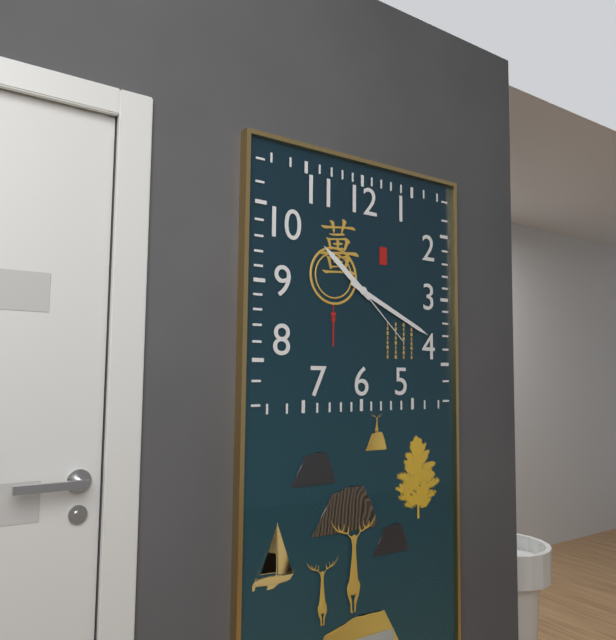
{"hour": 10, "minute": 19, "second": 22}
